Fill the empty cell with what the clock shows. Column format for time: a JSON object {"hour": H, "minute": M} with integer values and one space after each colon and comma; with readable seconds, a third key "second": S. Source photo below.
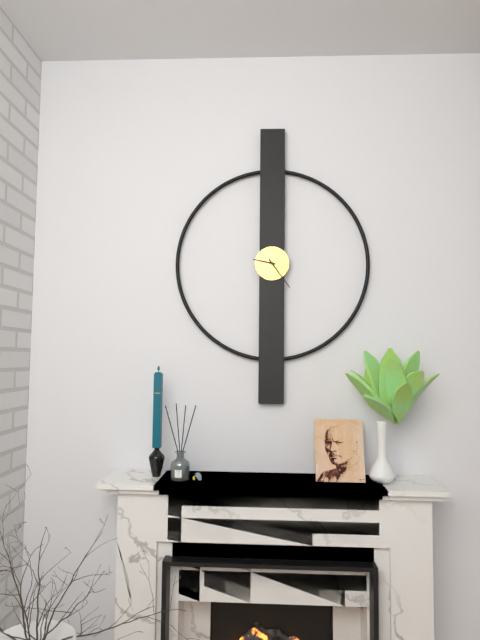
{"hour": 9, "minute": 24}
